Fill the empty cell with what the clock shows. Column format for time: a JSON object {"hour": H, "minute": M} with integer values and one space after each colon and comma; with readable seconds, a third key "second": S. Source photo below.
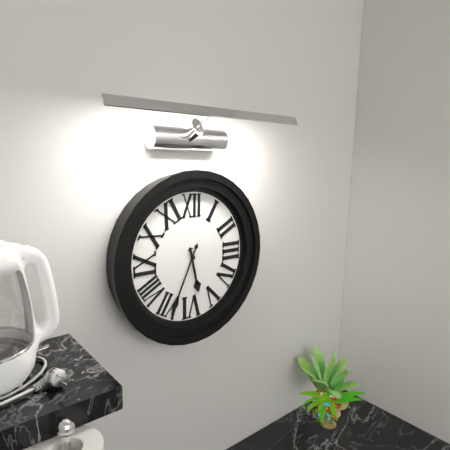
{"hour": 5, "minute": 34}
